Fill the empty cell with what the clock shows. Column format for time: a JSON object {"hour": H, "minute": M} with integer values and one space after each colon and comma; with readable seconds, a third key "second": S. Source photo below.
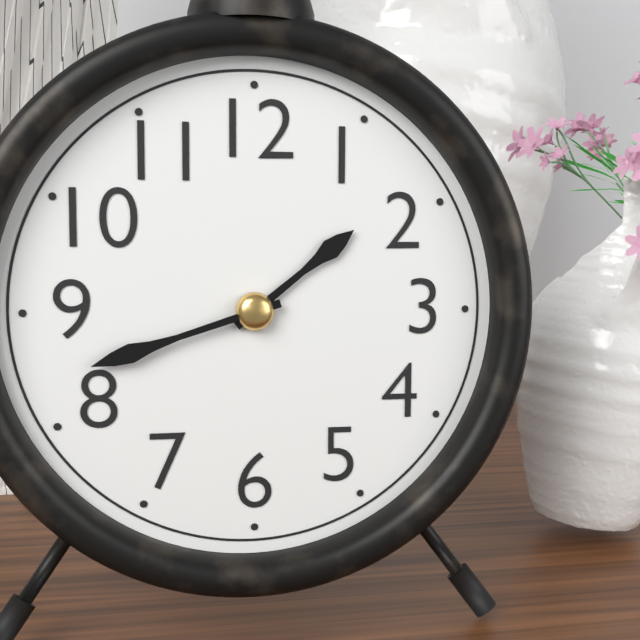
{"hour": 1, "minute": 42}
